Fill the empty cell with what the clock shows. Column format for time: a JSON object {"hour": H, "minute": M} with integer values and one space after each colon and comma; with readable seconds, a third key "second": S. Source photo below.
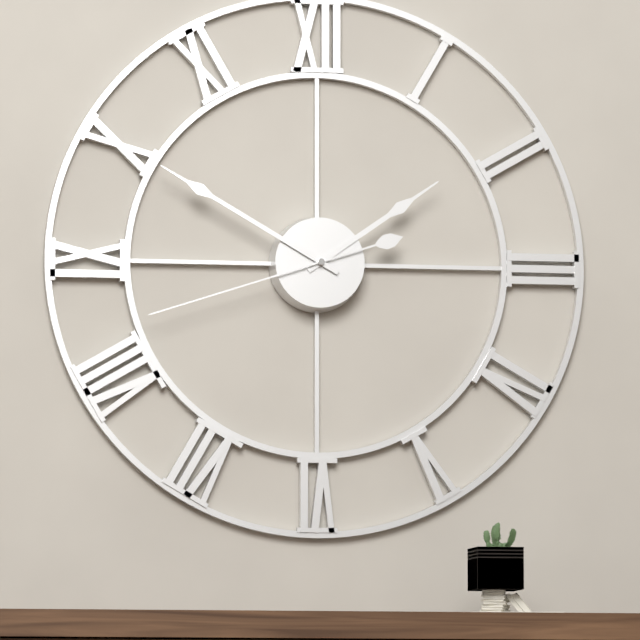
{"hour": 1, "minute": 50, "second": 42}
